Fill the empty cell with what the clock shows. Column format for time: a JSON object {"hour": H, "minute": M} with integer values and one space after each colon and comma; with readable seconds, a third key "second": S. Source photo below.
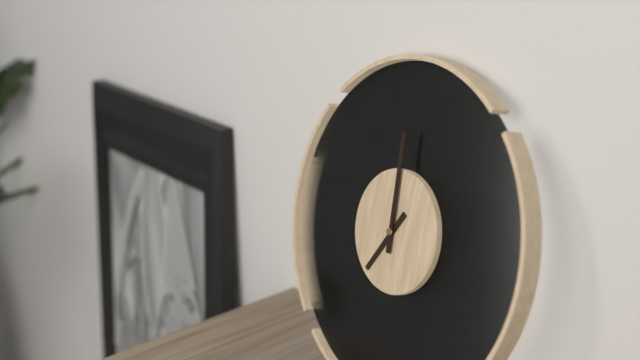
{"hour": 6, "minute": 59}
